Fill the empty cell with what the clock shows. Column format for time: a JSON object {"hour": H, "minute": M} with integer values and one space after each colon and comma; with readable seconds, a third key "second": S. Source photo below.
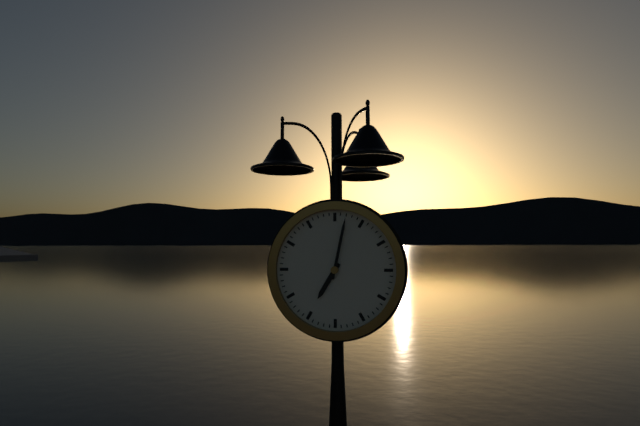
{"hour": 7, "minute": 2}
